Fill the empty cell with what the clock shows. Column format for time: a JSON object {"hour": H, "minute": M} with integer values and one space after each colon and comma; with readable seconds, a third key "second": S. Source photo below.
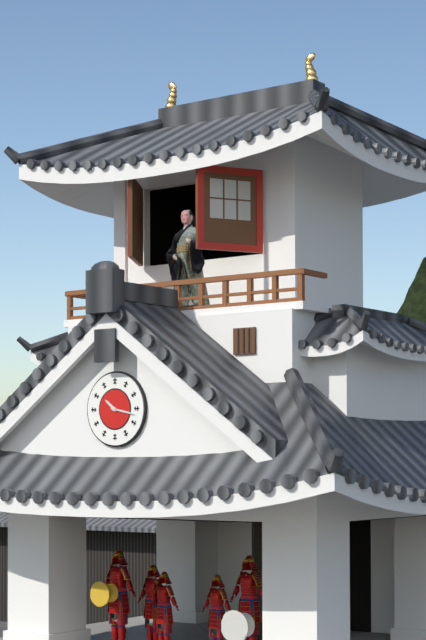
{"hour": 10, "minute": 17}
